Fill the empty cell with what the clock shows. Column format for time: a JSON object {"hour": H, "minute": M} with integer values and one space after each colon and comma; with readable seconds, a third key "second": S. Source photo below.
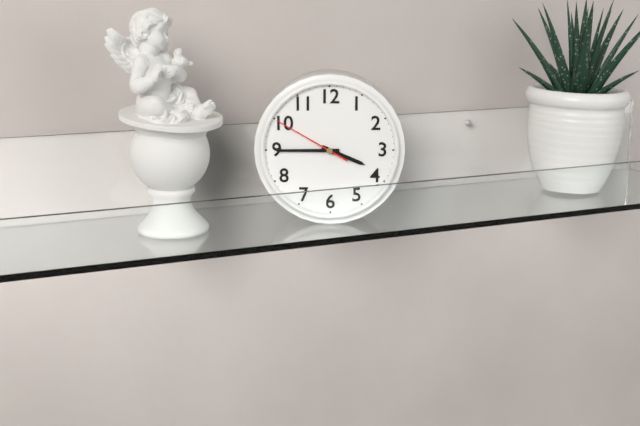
{"hour": 3, "minute": 45, "second": 50}
